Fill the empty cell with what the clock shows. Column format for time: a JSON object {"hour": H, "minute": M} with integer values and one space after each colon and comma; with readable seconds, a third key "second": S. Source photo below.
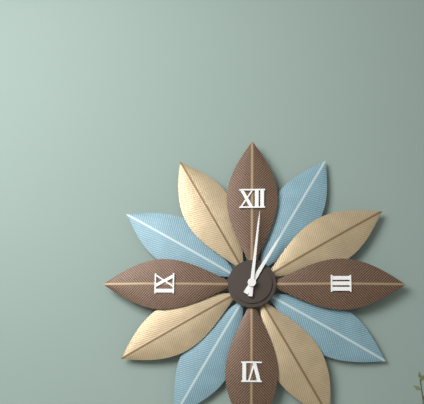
{"hour": 1, "minute": 1}
